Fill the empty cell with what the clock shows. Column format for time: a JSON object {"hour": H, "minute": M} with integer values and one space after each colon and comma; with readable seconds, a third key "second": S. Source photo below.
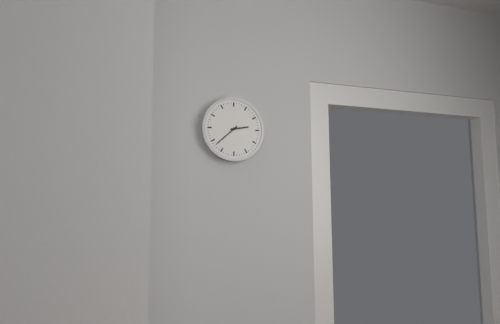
{"hour": 2, "minute": 38}
